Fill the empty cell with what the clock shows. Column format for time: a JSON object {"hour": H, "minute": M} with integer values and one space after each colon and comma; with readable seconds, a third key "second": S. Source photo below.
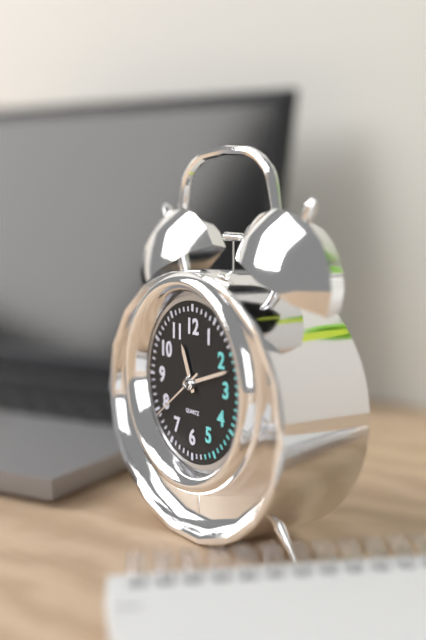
{"hour": 11, "minute": 12, "second": 39}
